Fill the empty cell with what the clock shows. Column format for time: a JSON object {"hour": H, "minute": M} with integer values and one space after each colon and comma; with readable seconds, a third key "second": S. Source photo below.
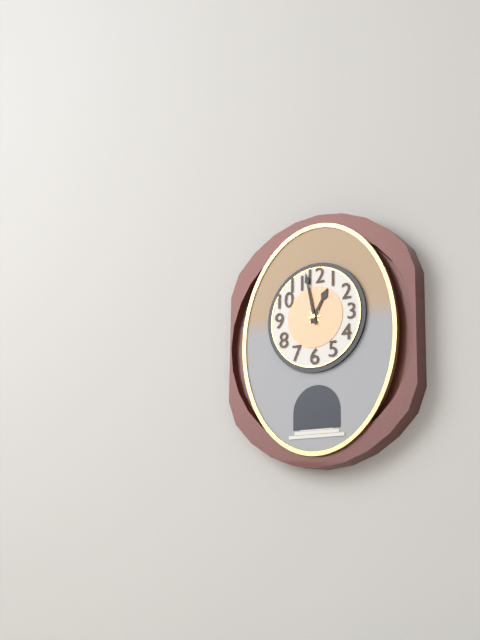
{"hour": 12, "minute": 58}
